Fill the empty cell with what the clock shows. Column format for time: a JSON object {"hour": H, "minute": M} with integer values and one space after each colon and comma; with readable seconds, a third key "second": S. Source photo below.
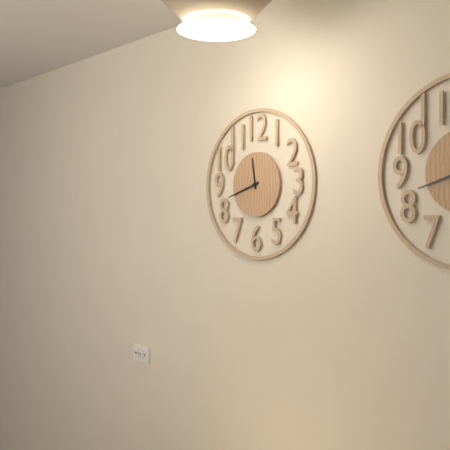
{"hour": 11, "minute": 42}
